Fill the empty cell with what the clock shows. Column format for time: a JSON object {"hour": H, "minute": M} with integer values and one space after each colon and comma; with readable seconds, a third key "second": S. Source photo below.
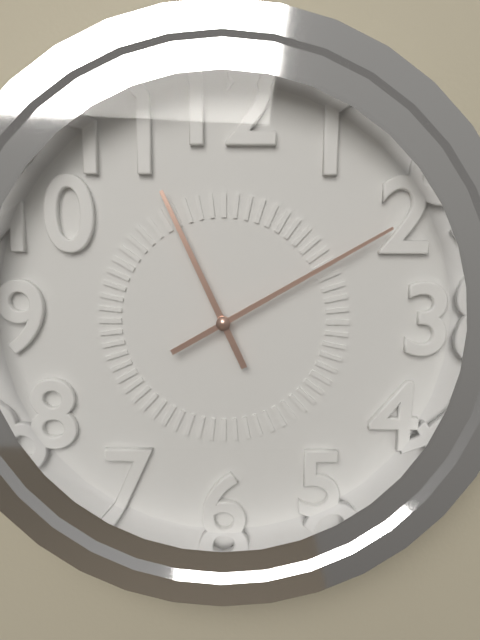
{"hour": 11, "minute": 10}
